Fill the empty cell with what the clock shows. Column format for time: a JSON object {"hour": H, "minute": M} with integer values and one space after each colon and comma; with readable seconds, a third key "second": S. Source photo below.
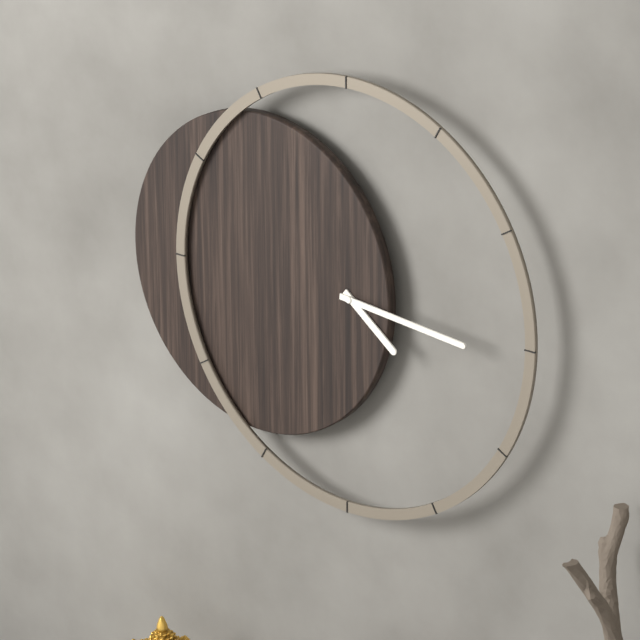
{"hour": 4, "minute": 16}
